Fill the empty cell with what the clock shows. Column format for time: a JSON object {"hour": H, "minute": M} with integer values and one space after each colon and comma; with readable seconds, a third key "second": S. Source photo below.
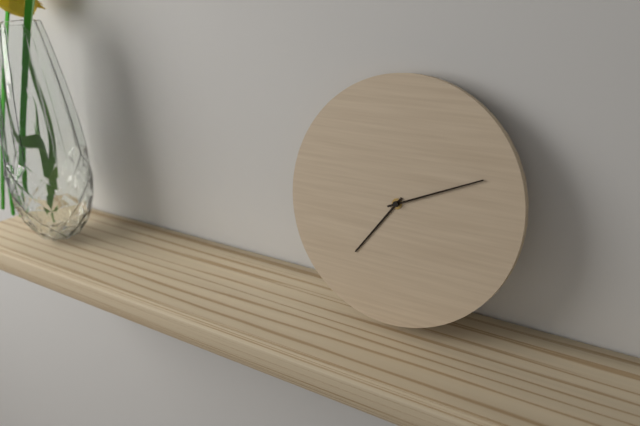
{"hour": 7, "minute": 11}
